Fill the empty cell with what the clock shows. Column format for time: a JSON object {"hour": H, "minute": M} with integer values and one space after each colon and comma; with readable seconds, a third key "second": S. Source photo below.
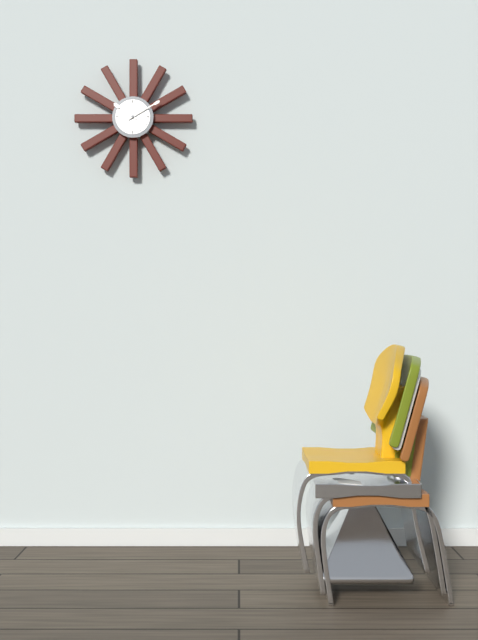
{"hour": 10, "minute": 10}
